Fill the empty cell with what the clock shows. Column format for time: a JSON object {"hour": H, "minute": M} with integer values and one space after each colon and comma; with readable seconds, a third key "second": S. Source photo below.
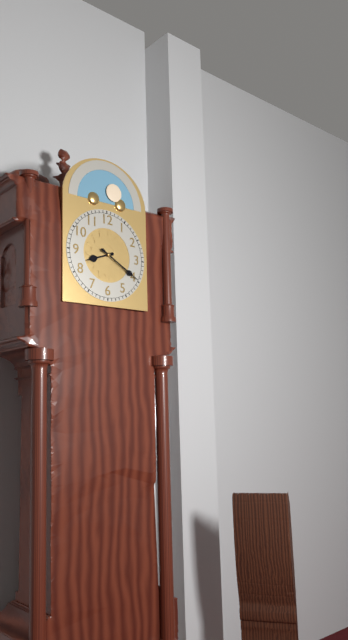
{"hour": 8, "minute": 20}
